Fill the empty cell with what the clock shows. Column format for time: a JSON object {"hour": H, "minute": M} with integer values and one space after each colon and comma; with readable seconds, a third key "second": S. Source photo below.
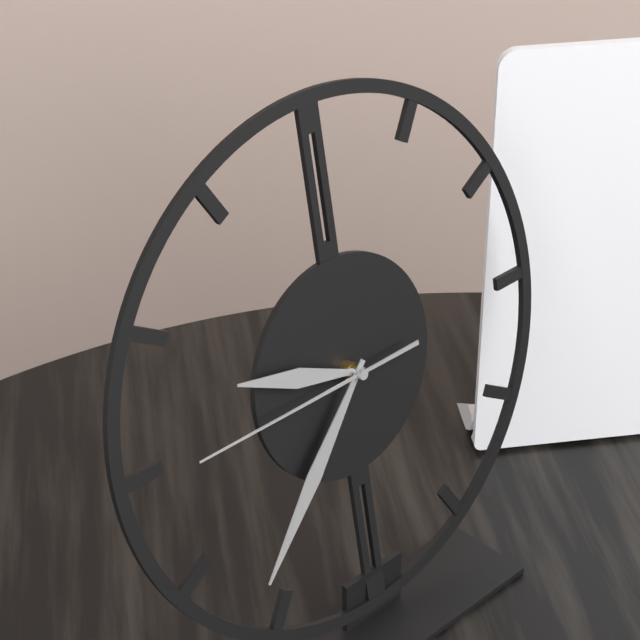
{"hour": 9, "minute": 37, "second": 45}
